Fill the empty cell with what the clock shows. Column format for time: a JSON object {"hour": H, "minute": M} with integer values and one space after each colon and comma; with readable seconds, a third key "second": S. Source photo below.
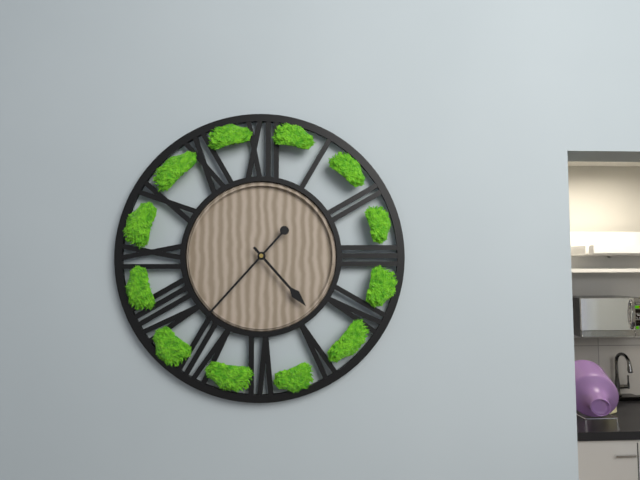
{"hour": 4, "minute": 37}
